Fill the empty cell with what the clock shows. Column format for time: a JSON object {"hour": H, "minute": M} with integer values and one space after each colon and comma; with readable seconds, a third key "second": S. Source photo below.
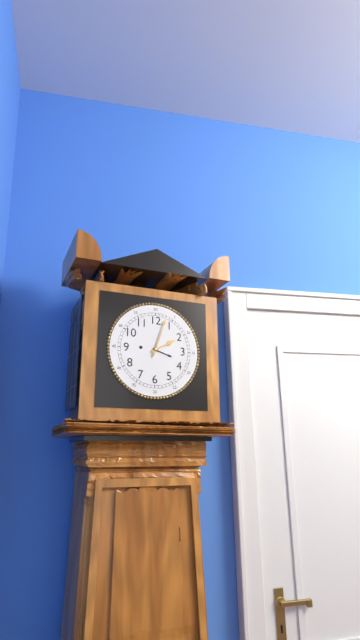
{"hour": 2, "minute": 3}
